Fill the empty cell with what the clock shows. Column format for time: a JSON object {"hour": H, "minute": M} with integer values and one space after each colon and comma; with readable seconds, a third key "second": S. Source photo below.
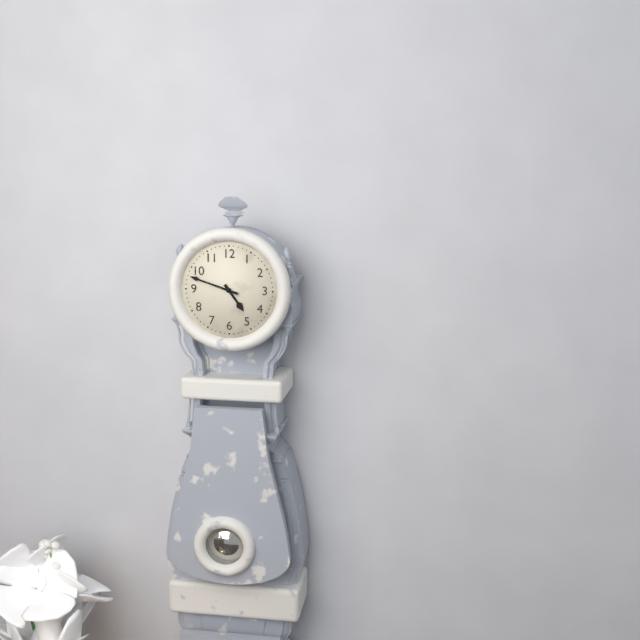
{"hour": 4, "minute": 48}
